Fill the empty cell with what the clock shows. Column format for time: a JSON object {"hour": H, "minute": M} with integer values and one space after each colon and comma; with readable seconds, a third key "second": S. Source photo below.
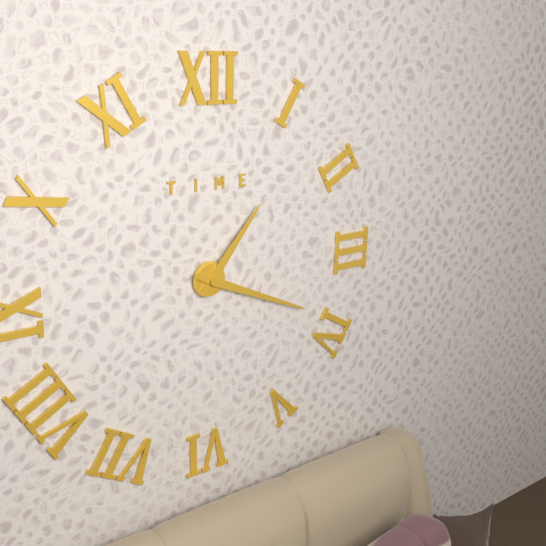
{"hour": 1, "minute": 19}
